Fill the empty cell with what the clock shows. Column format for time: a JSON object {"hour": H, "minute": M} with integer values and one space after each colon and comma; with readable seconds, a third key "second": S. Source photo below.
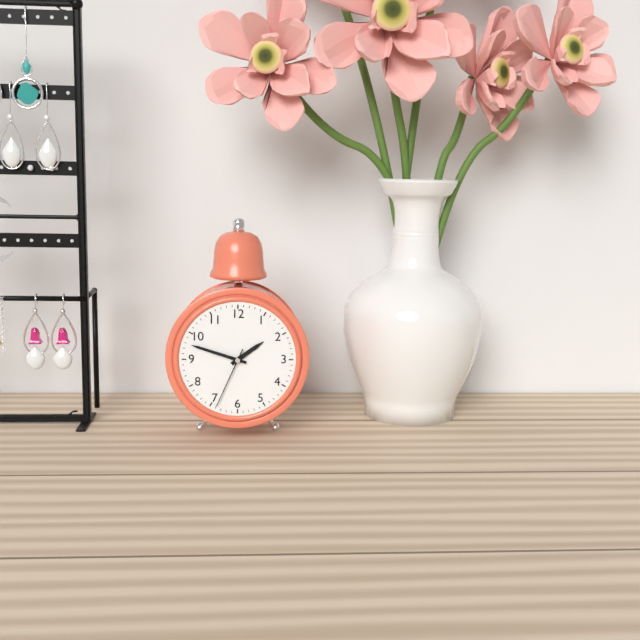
{"hour": 1, "minute": 48, "second": 34}
